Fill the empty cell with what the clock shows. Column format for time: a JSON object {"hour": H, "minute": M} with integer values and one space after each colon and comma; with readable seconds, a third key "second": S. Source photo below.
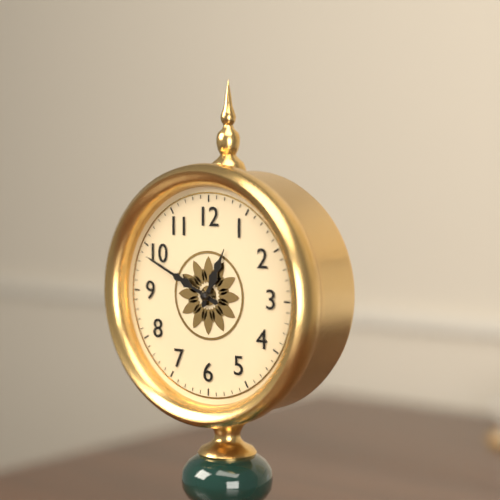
{"hour": 12, "minute": 49}
